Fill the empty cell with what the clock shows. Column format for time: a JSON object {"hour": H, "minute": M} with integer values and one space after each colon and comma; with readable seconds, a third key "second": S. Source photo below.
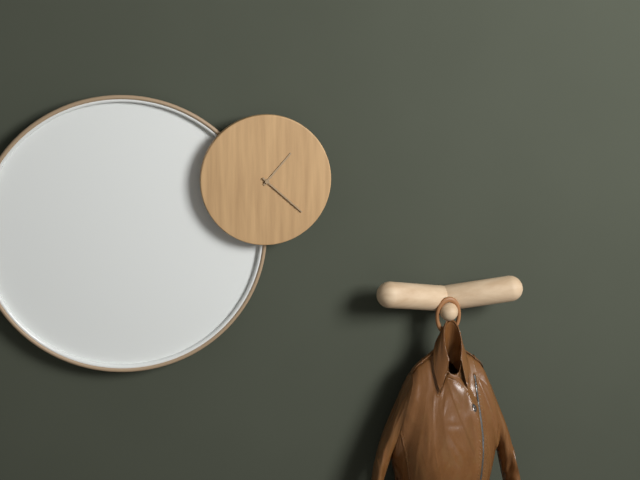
{"hour": 1, "minute": 22}
